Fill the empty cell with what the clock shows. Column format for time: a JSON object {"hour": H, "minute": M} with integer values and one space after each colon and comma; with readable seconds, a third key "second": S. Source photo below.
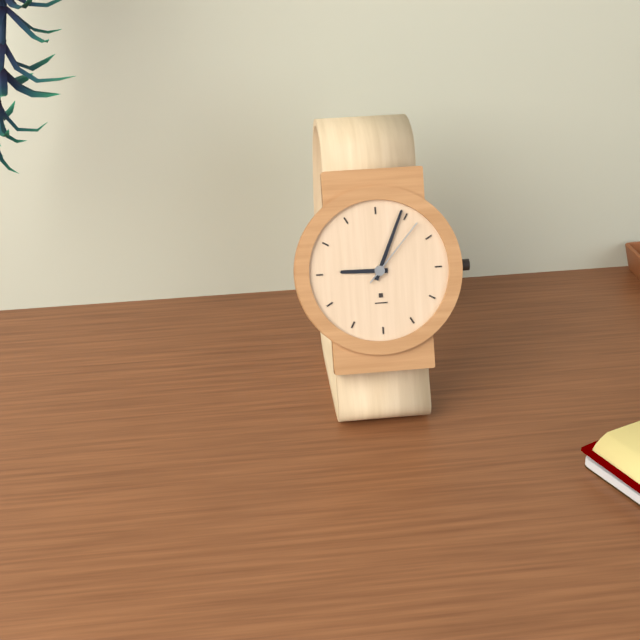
{"hour": 9, "minute": 4, "second": 7}
